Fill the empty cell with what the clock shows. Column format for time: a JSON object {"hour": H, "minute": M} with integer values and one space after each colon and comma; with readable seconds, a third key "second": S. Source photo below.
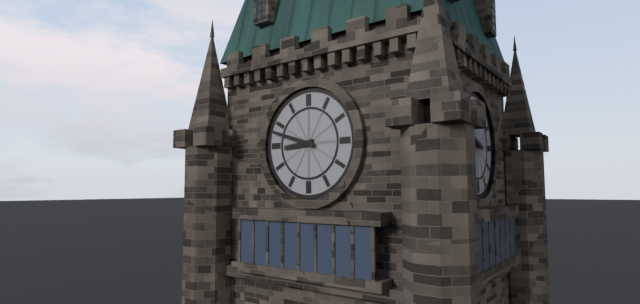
{"hour": 8, "minute": 48}
